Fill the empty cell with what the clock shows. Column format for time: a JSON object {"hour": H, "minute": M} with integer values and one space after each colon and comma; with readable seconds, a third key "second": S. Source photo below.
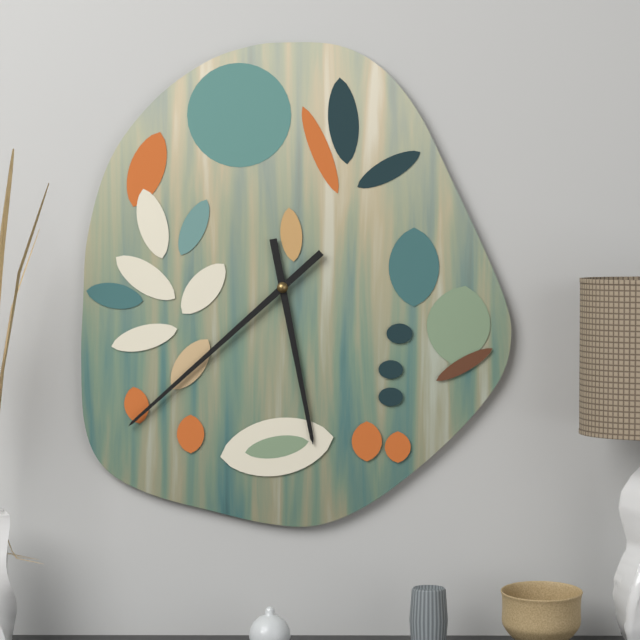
{"hour": 5, "minute": 38}
